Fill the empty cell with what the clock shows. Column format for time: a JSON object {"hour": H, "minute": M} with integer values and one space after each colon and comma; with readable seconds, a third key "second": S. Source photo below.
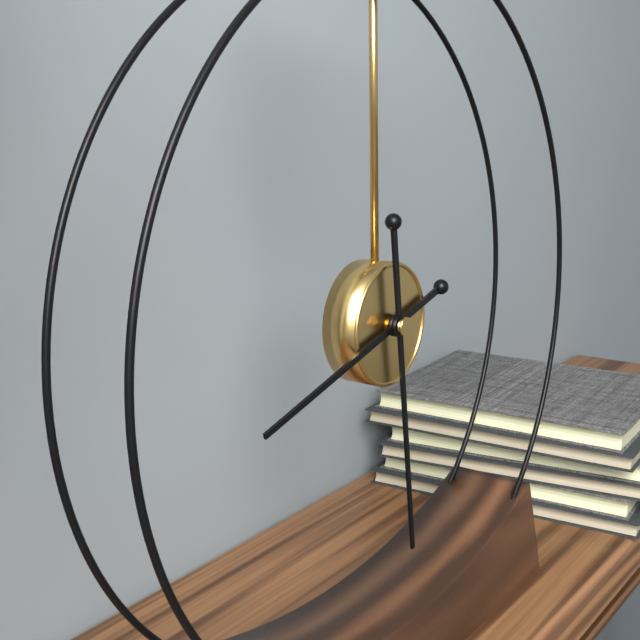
{"hour": 8, "minute": 29}
